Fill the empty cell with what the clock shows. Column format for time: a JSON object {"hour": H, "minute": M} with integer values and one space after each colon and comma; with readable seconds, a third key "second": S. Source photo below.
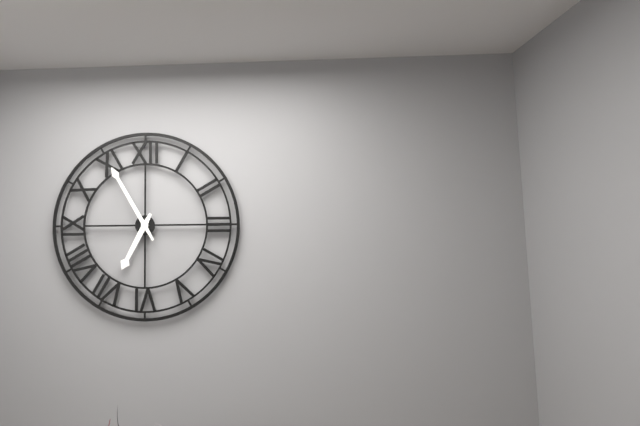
{"hour": 6, "minute": 55}
